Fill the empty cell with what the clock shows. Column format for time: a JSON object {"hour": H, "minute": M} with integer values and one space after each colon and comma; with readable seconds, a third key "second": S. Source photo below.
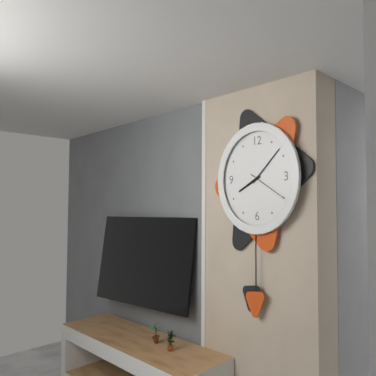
{"hour": 8, "minute": 8}
